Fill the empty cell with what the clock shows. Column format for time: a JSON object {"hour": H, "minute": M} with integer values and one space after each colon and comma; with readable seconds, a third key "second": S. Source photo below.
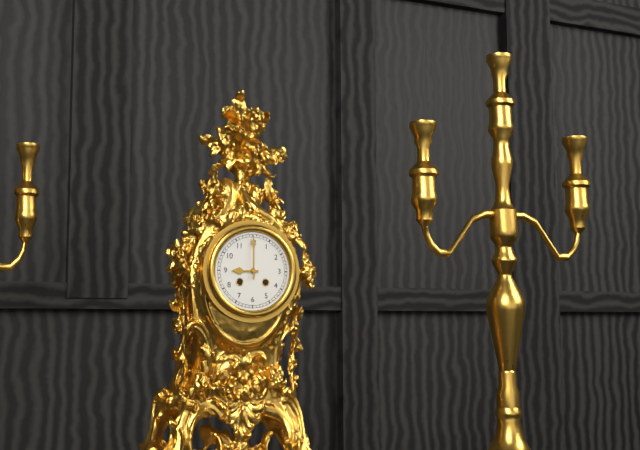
{"hour": 9, "minute": 0}
